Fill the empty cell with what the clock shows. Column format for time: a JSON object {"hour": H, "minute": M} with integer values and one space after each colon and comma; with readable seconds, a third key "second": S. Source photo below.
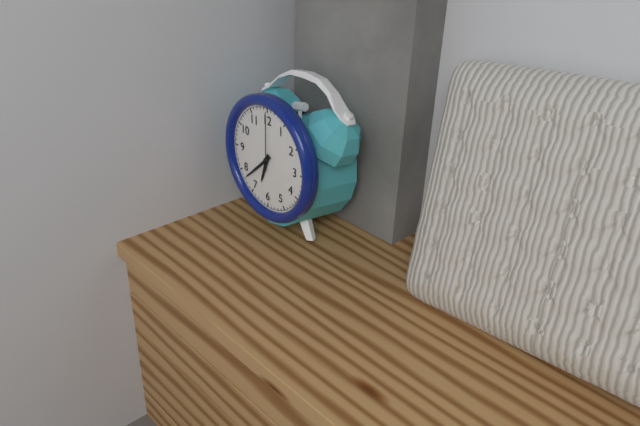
{"hour": 6, "minute": 38, "second": 0}
